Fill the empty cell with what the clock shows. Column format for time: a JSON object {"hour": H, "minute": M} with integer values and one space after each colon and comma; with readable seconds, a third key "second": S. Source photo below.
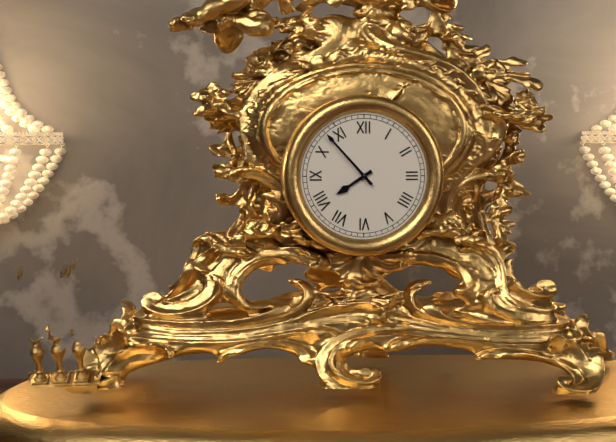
{"hour": 7, "minute": 53}
